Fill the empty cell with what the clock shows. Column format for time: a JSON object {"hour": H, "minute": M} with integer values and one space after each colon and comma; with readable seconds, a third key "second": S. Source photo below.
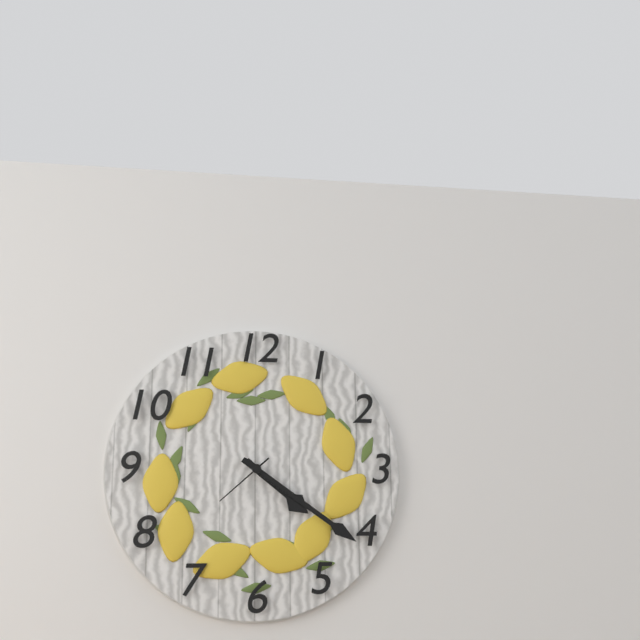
{"hour": 4, "minute": 21, "second": 38}
